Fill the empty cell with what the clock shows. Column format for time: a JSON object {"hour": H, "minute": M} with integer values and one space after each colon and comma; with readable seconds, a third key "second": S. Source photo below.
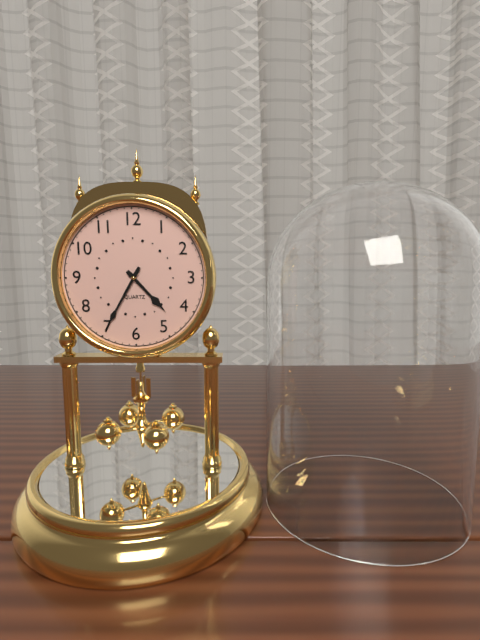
{"hour": 4, "minute": 35}
